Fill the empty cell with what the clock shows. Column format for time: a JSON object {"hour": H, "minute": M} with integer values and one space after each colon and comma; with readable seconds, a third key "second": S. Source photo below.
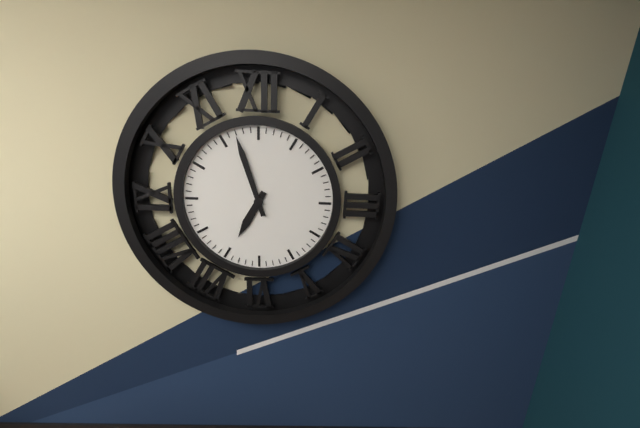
{"hour": 6, "minute": 57}
